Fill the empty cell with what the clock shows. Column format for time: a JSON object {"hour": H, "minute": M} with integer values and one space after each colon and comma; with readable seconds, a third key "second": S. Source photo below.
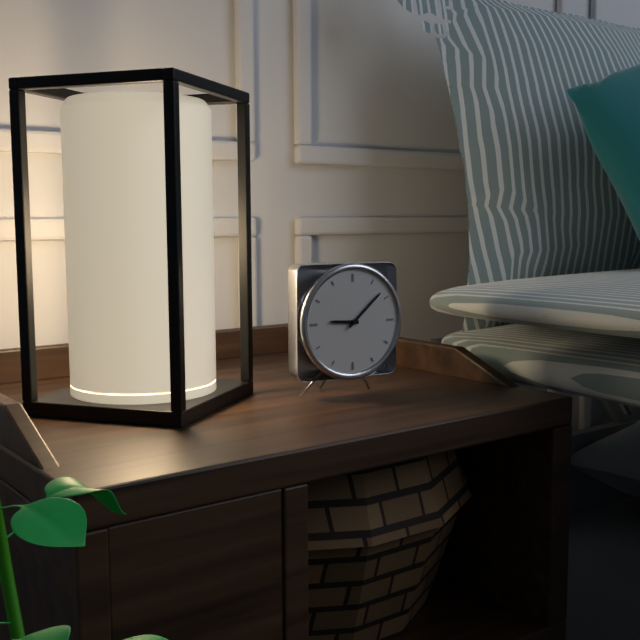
{"hour": 9, "minute": 8}
